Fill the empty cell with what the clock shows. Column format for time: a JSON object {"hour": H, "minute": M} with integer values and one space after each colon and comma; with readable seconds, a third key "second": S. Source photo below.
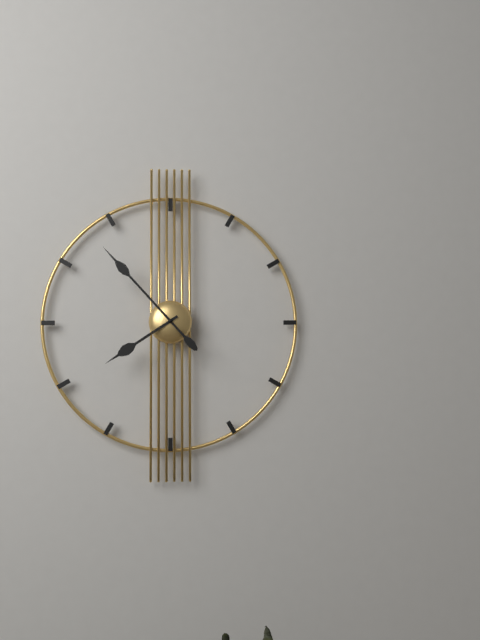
{"hour": 7, "minute": 53}
